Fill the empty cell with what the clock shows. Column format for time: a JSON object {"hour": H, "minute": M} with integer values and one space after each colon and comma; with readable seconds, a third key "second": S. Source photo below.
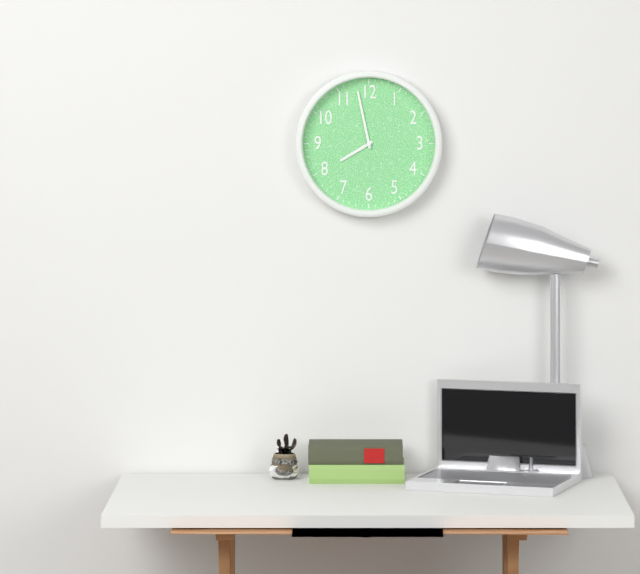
{"hour": 7, "minute": 58}
